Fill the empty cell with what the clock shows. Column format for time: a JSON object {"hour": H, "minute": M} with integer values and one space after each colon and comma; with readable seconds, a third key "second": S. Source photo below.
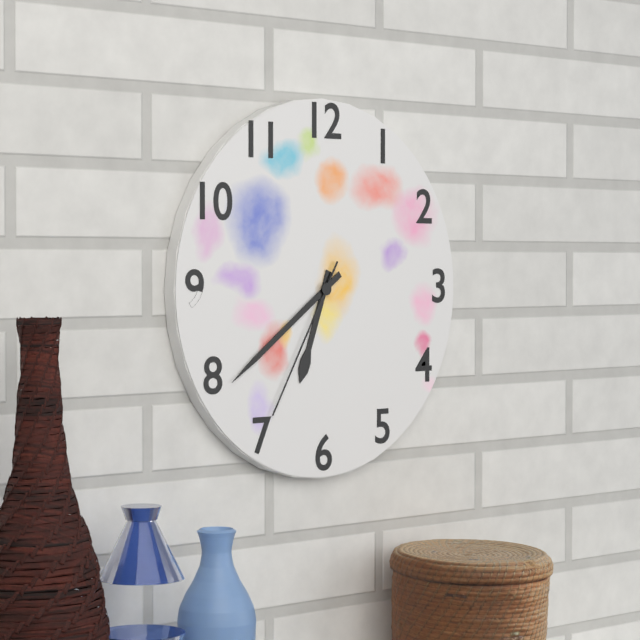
{"hour": 6, "minute": 39, "second": 35}
